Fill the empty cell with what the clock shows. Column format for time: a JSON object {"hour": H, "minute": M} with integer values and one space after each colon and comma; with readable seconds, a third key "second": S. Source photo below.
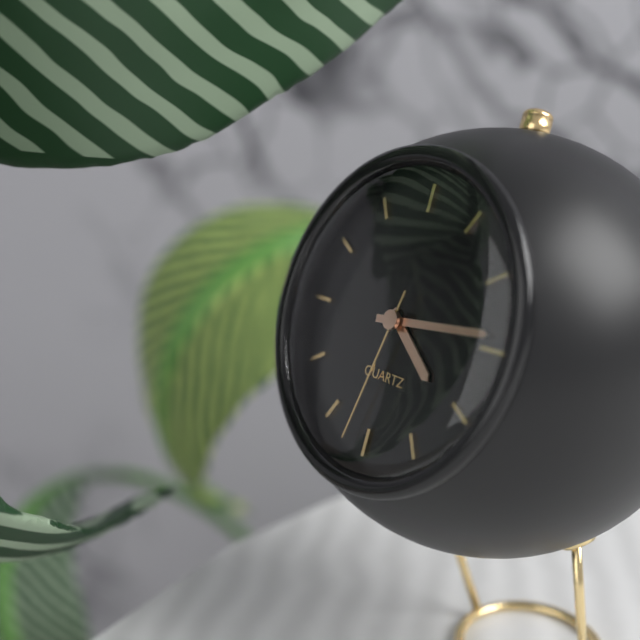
{"hour": 4, "minute": 14, "second": 32}
